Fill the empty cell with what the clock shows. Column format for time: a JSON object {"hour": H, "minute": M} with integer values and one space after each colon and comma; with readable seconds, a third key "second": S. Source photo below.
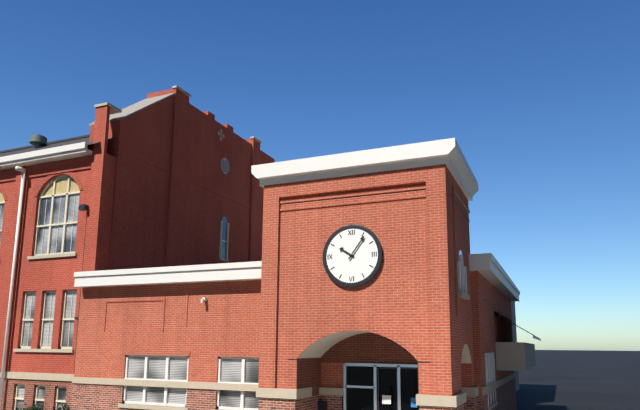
{"hour": 10, "minute": 6}
